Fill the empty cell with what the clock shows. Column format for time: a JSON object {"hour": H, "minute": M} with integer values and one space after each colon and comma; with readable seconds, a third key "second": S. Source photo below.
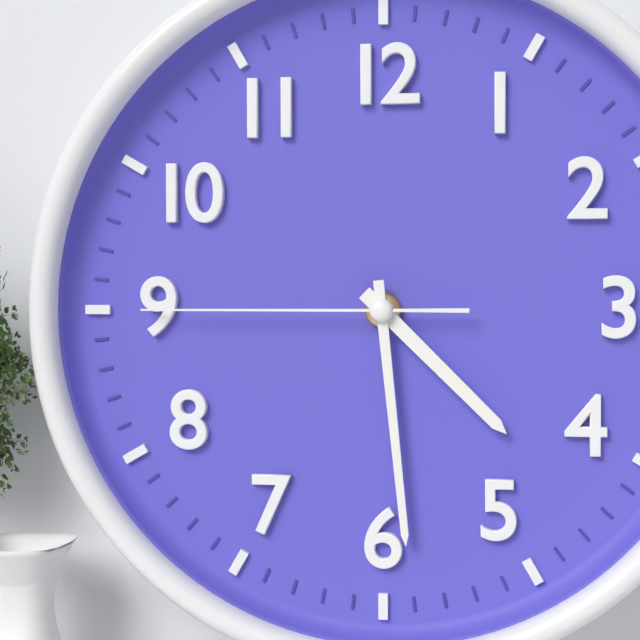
{"hour": 4, "minute": 29, "second": 45}
